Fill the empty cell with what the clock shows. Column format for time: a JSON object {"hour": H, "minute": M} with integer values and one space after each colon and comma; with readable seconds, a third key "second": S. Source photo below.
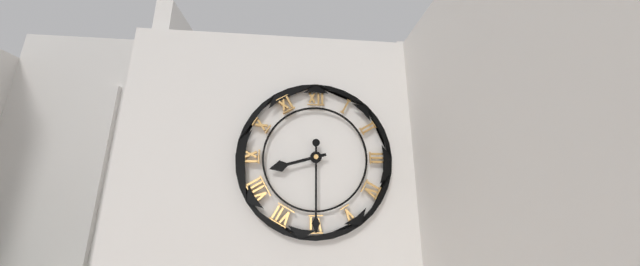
{"hour": 8, "minute": 30}
